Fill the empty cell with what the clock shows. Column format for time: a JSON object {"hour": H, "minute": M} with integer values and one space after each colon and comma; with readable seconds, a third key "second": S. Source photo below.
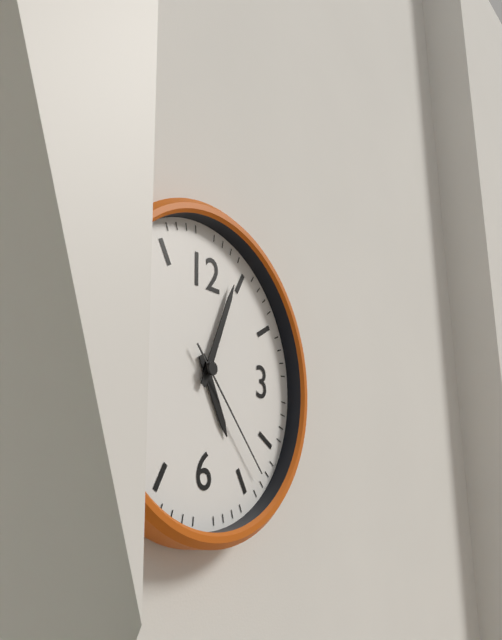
{"hour": 5, "minute": 4, "second": 23}
